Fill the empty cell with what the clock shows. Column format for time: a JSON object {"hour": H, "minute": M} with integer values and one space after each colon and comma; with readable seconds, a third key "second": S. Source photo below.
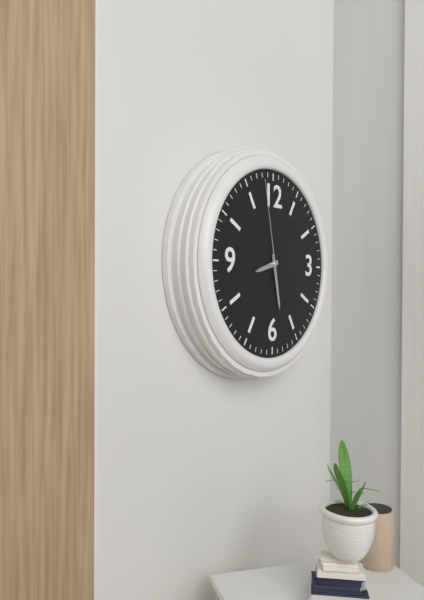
{"hour": 8, "minute": 28, "second": 58}
